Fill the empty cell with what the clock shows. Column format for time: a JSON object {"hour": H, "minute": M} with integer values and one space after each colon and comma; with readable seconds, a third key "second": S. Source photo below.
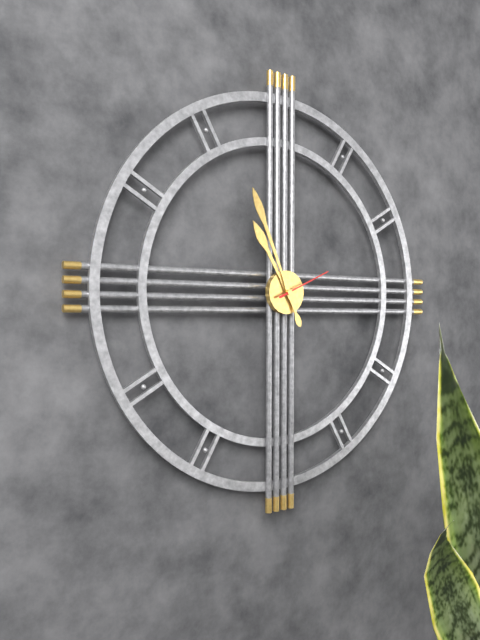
{"hour": 10, "minute": 56, "second": 11}
